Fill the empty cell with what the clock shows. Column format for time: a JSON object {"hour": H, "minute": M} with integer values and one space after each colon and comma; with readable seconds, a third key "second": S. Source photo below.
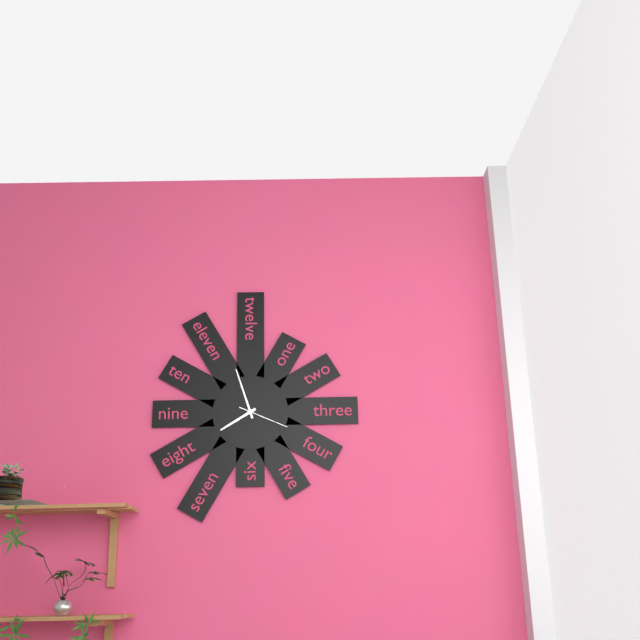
{"hour": 7, "minute": 57, "second": 19}
